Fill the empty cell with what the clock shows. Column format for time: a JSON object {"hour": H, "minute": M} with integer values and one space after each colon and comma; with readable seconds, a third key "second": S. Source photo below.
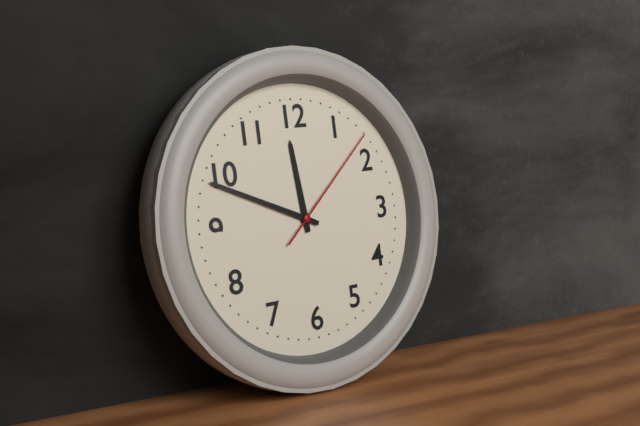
{"hour": 11, "minute": 49, "second": 8}
